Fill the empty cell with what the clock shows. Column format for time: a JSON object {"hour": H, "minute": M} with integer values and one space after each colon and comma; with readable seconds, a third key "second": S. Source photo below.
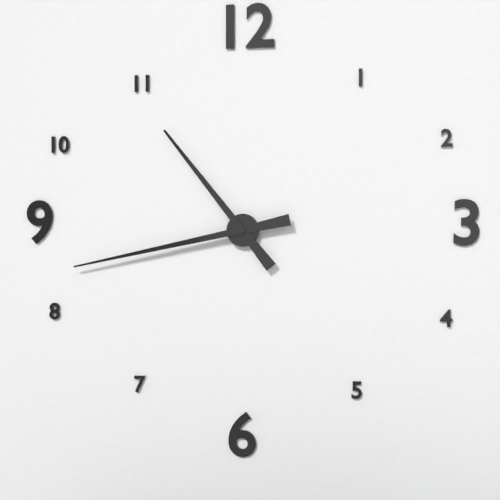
{"hour": 10, "minute": 43}
